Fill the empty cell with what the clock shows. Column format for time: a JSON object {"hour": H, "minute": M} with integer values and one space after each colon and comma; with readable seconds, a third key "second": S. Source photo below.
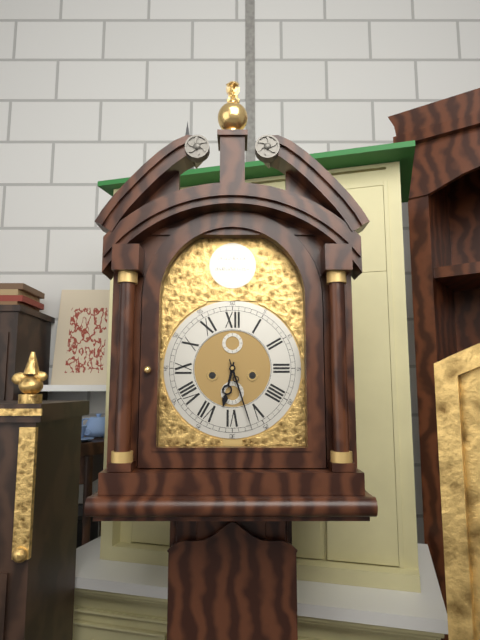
{"hour": 6, "minute": 27}
